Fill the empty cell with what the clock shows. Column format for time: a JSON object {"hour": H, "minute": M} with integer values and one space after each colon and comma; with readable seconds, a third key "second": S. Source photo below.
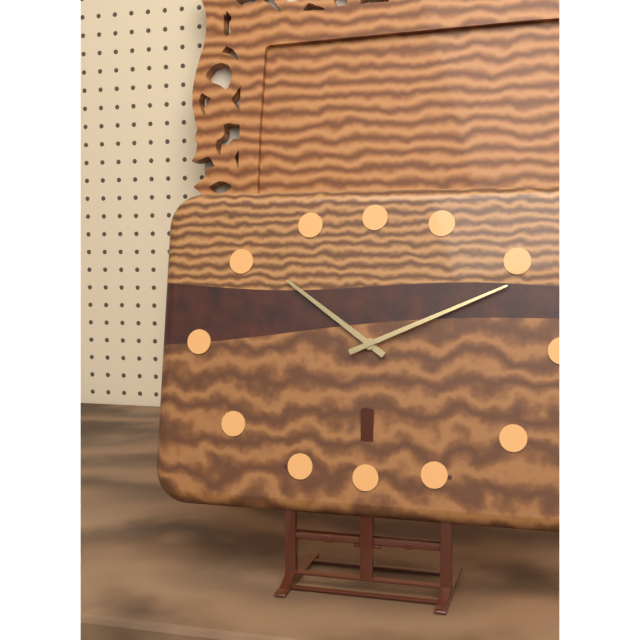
{"hour": 10, "minute": 11}
